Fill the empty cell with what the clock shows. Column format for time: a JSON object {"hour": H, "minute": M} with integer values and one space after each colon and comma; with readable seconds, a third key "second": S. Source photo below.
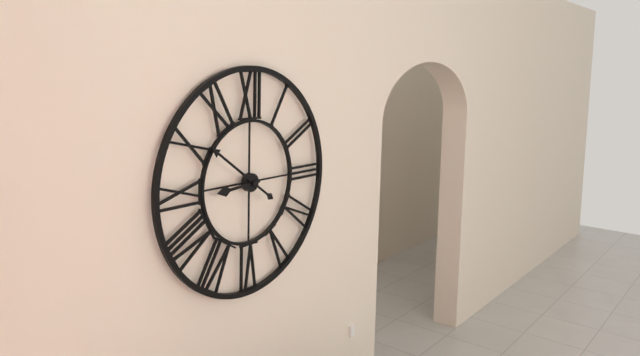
{"hour": 8, "minute": 51}
